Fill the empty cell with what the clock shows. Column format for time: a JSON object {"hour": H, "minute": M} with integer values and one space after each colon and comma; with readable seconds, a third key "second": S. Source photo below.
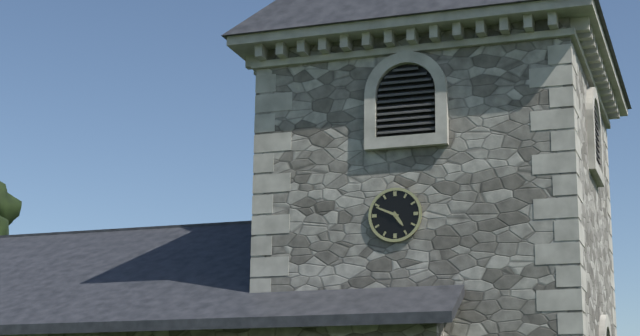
{"hour": 4, "minute": 49}
